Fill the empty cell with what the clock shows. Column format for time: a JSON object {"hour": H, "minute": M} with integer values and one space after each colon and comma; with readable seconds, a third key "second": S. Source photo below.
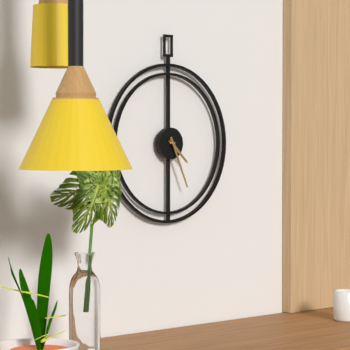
{"hour": 4, "minute": 26}
